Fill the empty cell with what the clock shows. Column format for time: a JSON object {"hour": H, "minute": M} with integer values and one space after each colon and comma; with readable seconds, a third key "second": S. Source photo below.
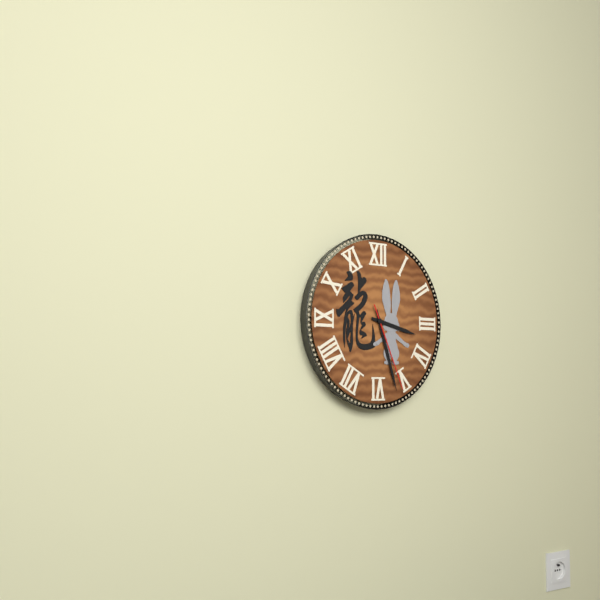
{"hour": 3, "minute": 27, "second": 26}
